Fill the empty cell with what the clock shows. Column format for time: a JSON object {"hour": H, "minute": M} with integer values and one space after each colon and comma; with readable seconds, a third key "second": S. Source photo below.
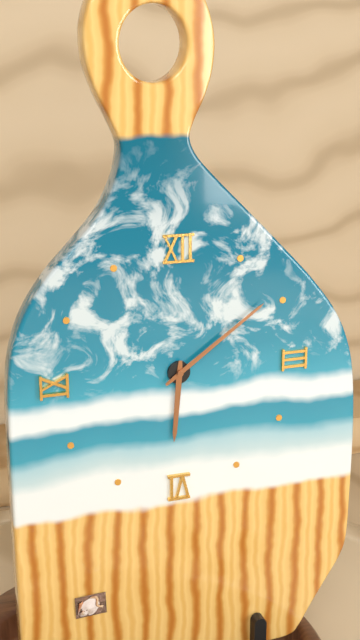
{"hour": 6, "minute": 9}
